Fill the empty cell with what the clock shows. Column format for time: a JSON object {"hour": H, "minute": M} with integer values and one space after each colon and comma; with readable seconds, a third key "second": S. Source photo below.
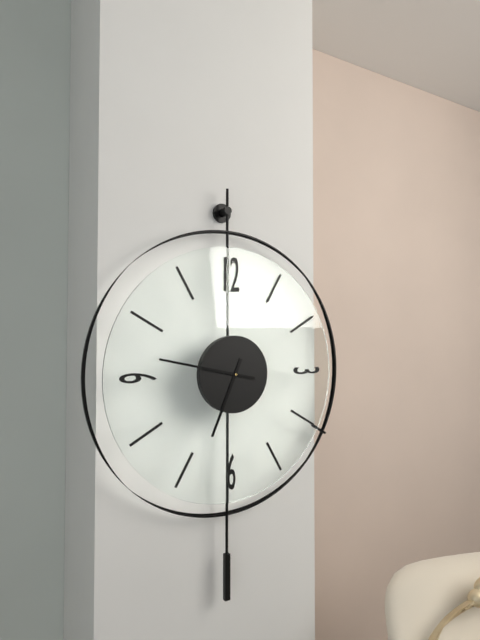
{"hour": 6, "minute": 47}
